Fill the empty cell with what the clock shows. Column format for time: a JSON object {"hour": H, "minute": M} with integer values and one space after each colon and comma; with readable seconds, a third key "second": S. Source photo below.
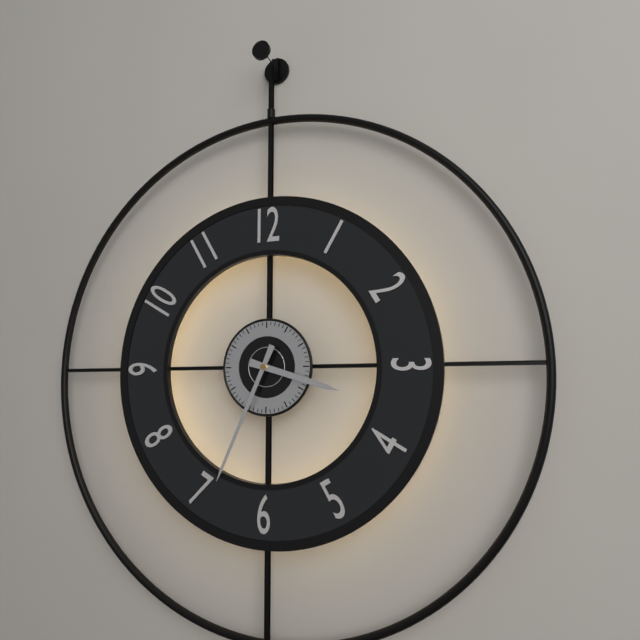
{"hour": 3, "minute": 34}
